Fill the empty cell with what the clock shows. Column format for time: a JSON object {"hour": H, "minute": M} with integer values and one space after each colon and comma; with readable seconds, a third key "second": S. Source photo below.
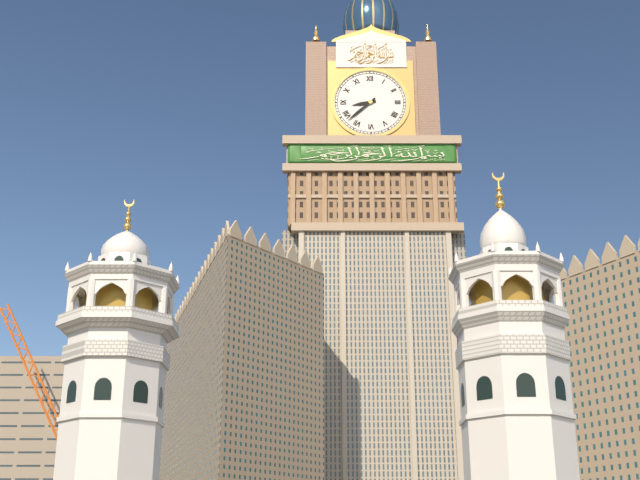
{"hour": 8, "minute": 38}
